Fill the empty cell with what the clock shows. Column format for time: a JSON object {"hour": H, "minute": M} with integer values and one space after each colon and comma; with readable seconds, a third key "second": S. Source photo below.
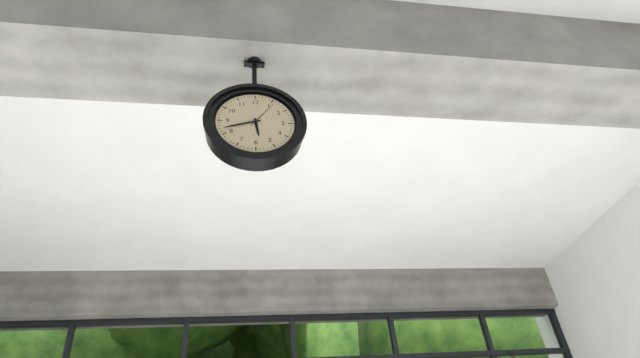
{"hour": 5, "minute": 42}
